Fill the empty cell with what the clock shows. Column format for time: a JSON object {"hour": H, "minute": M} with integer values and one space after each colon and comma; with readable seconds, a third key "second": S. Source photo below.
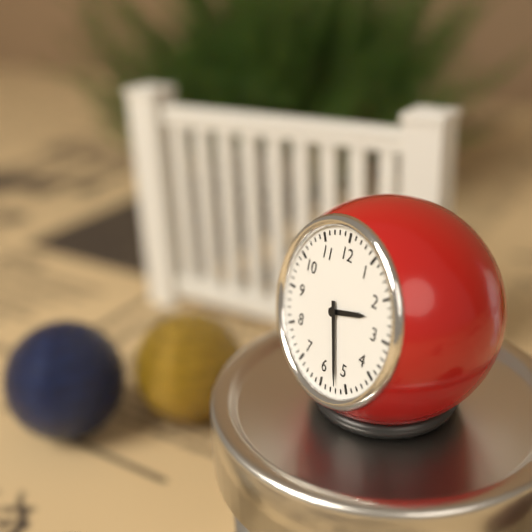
{"hour": 2, "minute": 27}
